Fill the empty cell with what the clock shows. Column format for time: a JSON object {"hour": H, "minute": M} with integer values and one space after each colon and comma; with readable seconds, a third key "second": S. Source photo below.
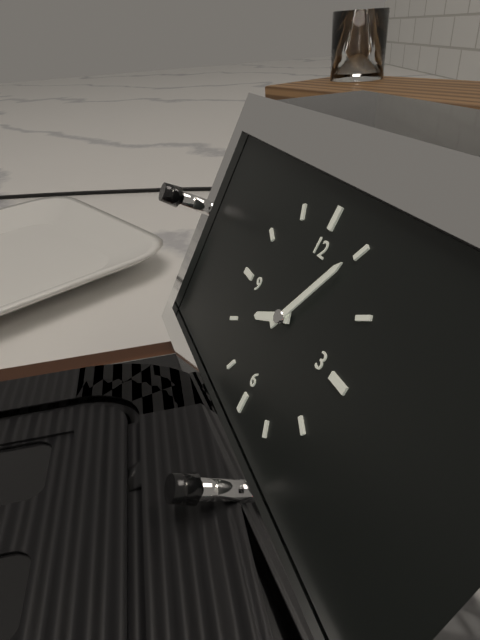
{"hour": 8, "minute": 5}
